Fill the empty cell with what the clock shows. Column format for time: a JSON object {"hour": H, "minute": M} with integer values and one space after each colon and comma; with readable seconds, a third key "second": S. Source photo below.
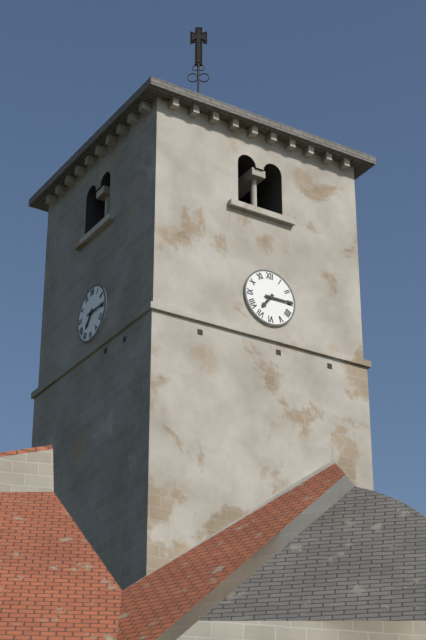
{"hour": 7, "minute": 15}
